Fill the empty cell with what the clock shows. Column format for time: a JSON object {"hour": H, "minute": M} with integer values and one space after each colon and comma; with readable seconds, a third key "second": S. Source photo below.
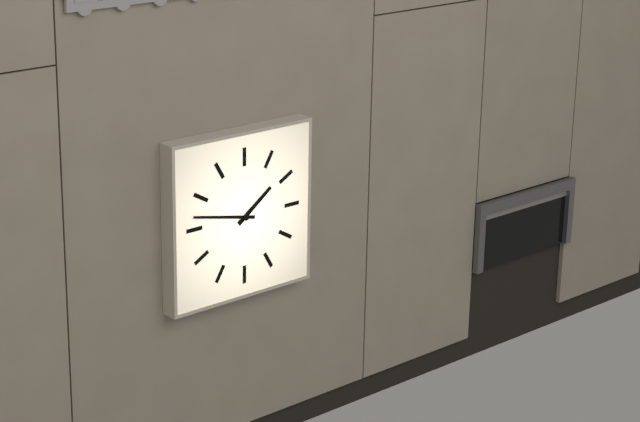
{"hour": 1, "minute": 47}
